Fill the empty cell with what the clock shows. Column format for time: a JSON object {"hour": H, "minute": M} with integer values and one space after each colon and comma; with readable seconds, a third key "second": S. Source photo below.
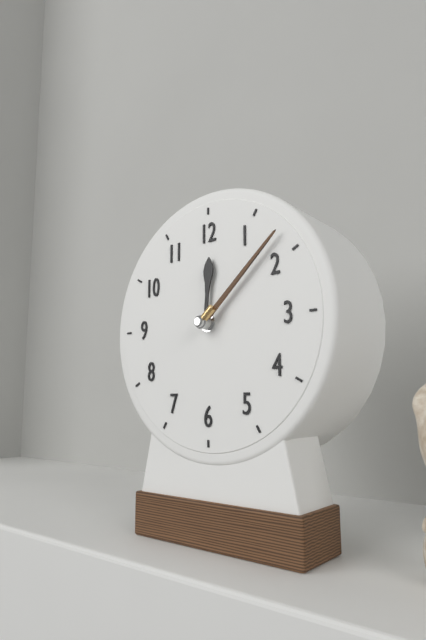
{"hour": 12, "minute": 8}
